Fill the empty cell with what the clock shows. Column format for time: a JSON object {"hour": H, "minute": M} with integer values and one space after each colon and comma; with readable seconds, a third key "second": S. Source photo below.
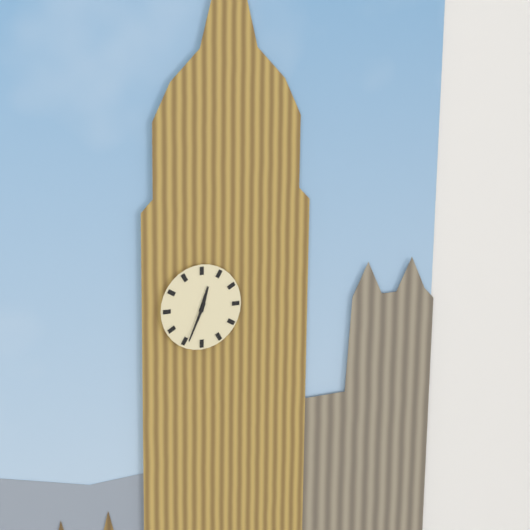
{"hour": 12, "minute": 34}
